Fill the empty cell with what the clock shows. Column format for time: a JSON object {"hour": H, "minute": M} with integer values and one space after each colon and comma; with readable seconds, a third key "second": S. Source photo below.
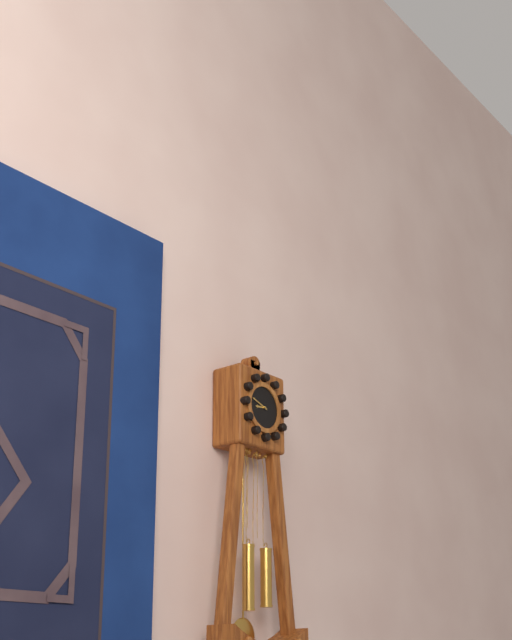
{"hour": 8, "minute": 48}
